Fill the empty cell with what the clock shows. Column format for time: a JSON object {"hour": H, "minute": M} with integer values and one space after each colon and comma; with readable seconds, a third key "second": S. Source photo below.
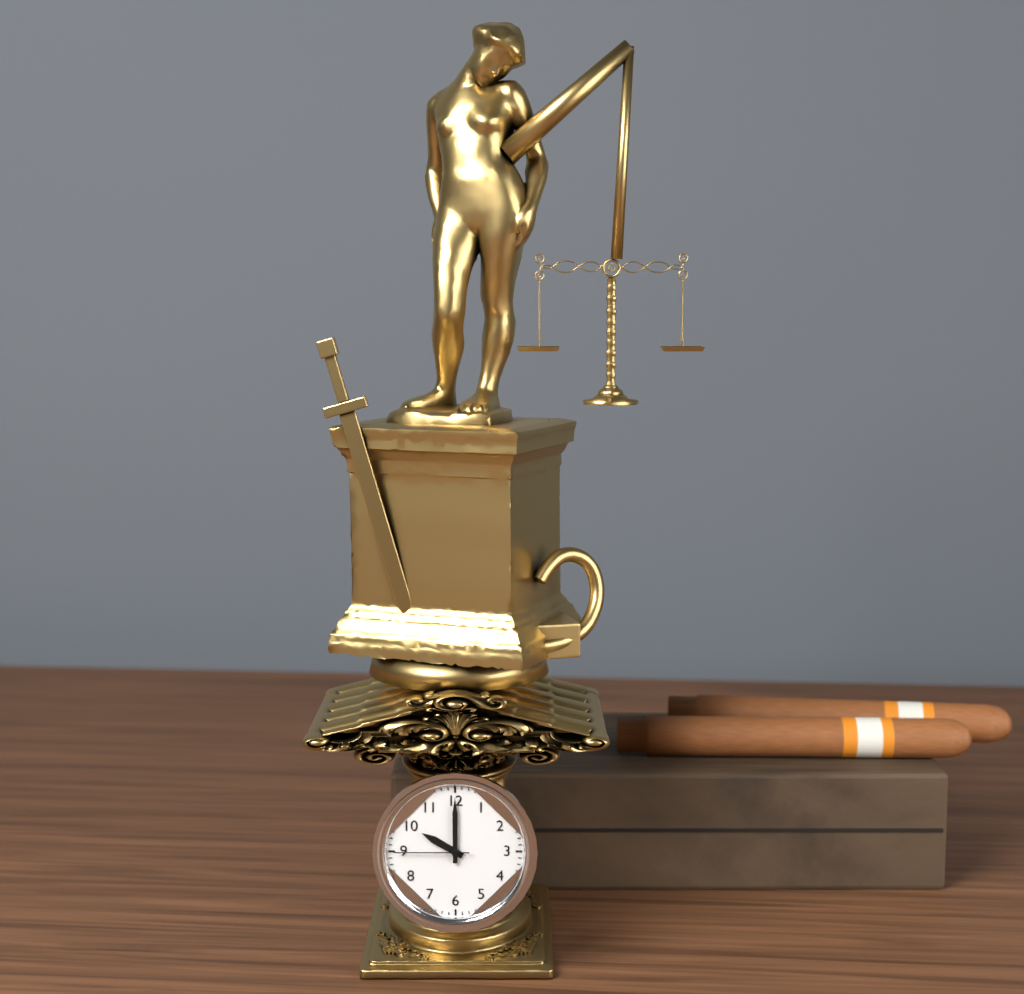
{"hour": 10, "minute": 0, "second": 45}
